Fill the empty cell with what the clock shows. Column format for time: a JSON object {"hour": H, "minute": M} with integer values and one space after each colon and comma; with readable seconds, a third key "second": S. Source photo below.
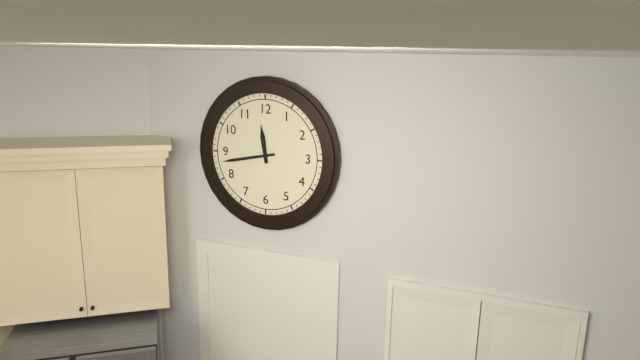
{"hour": 11, "minute": 43}
